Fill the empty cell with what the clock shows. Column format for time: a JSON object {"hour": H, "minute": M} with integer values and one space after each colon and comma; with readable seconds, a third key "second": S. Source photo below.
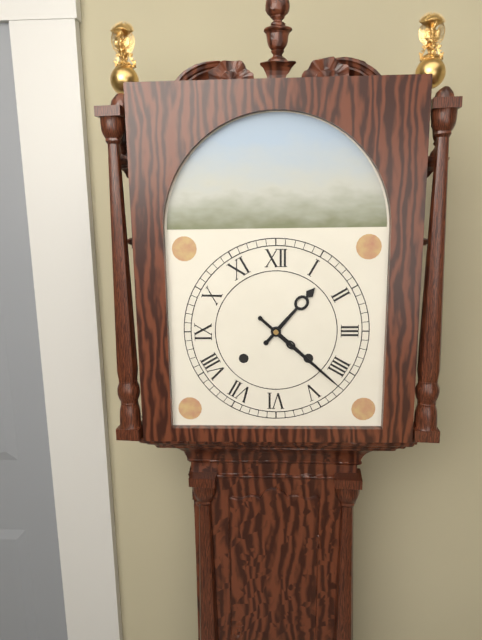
{"hour": 1, "minute": 22}
